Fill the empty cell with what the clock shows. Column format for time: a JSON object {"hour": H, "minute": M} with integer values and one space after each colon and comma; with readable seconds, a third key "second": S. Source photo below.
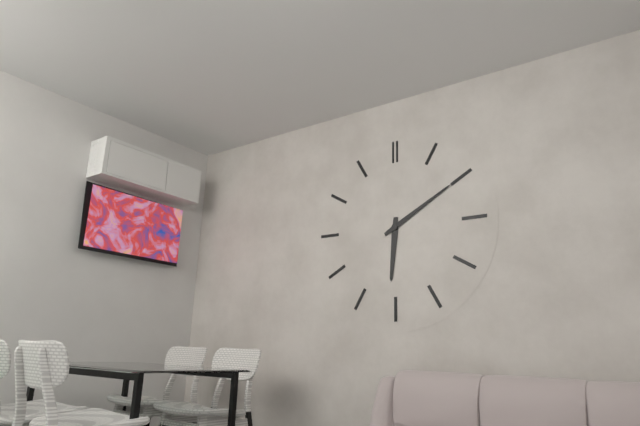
{"hour": 6, "minute": 10}
